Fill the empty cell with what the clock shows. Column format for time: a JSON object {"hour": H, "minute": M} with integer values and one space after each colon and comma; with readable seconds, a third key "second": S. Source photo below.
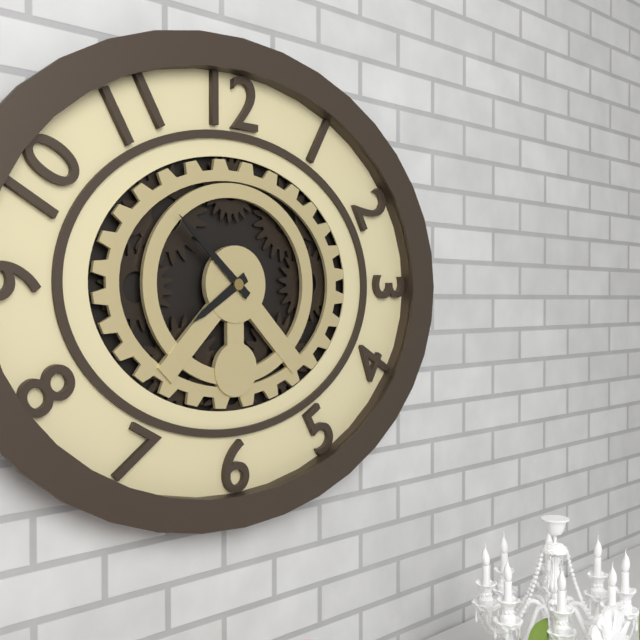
{"hour": 7, "minute": 52}
